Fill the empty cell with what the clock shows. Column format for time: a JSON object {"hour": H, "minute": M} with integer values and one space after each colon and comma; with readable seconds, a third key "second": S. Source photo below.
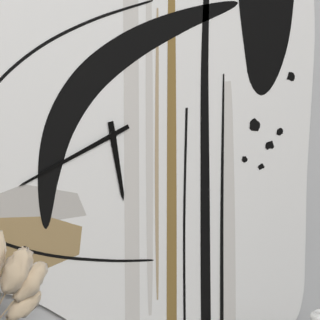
{"hour": 5, "minute": 41}
